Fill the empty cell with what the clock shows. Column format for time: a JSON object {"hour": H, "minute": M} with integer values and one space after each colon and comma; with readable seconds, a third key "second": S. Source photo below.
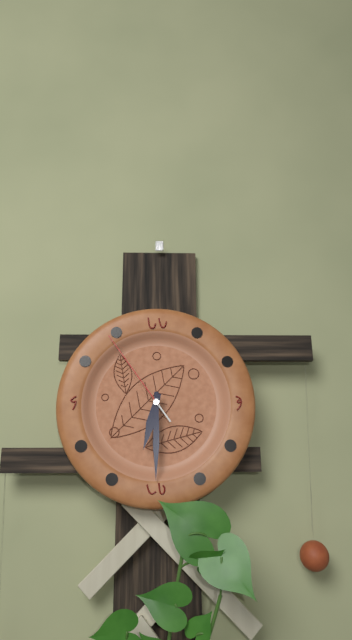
{"hour": 6, "minute": 30, "second": 54}
